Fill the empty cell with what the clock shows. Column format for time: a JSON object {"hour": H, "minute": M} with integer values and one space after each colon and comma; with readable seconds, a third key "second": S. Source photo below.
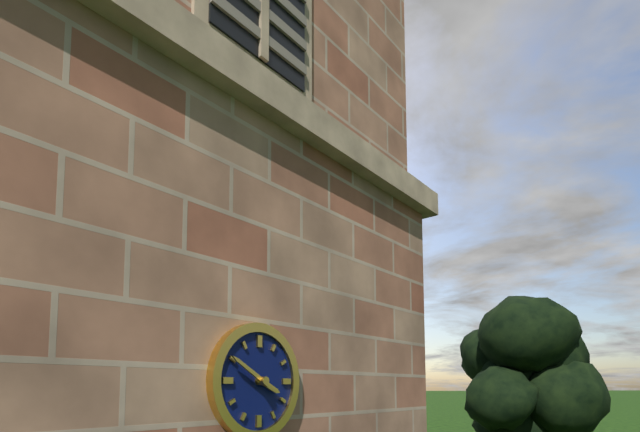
{"hour": 3, "minute": 50}
